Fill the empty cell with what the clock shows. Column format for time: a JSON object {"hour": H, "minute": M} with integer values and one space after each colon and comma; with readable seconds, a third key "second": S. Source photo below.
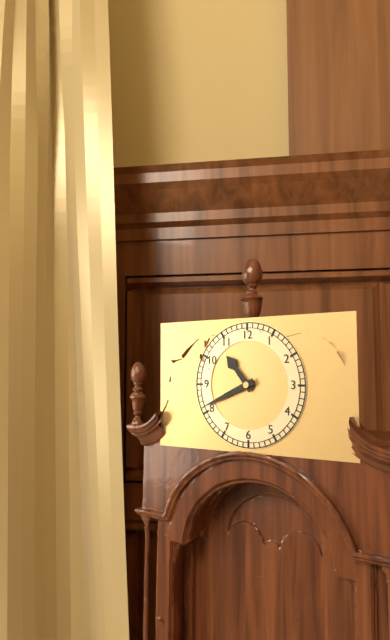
{"hour": 10, "minute": 41}
